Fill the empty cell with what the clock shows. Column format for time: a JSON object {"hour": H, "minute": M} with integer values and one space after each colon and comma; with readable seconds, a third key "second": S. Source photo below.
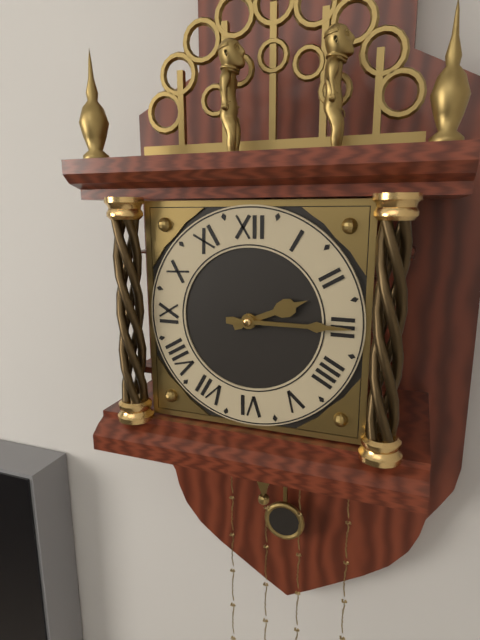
{"hour": 2, "minute": 15}
